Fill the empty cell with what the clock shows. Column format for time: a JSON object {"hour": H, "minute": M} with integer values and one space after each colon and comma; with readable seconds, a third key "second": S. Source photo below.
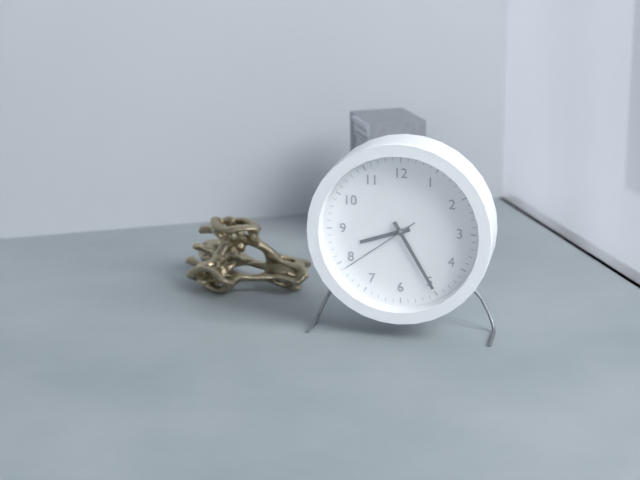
{"hour": 8, "minute": 25, "second": 39}
